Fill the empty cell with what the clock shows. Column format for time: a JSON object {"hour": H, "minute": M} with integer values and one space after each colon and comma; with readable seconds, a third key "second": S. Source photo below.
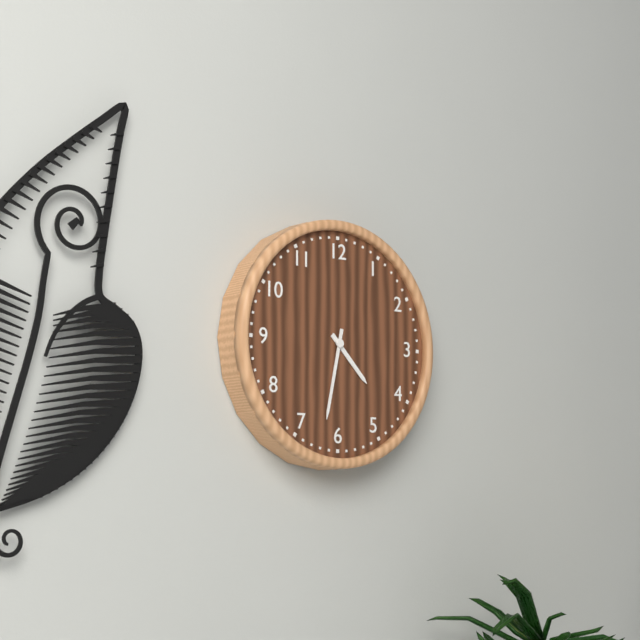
{"hour": 4, "minute": 32}
